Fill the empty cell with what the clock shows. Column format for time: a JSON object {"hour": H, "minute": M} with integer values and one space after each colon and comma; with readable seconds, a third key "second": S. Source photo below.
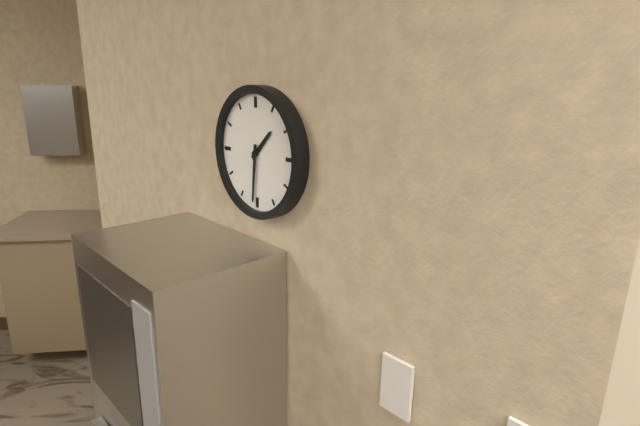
{"hour": 1, "minute": 31}
